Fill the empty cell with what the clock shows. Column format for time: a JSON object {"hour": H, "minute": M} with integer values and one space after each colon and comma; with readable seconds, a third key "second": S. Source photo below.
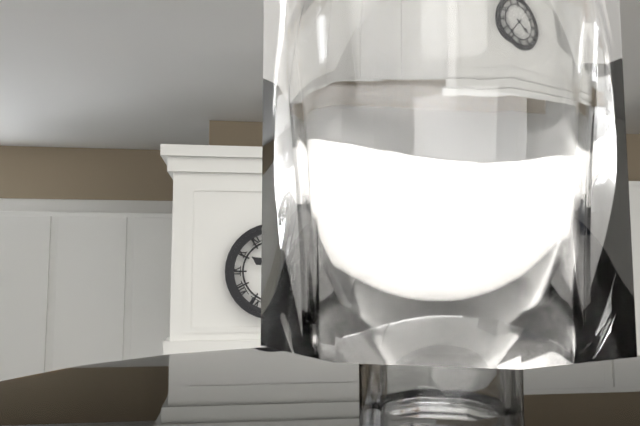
{"hour": 10, "minute": 7}
